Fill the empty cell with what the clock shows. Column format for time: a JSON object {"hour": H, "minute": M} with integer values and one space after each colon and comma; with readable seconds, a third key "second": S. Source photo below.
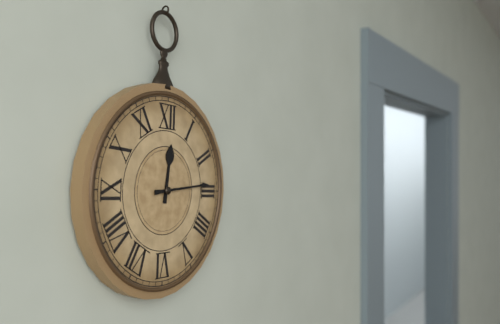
{"hour": 12, "minute": 14}
